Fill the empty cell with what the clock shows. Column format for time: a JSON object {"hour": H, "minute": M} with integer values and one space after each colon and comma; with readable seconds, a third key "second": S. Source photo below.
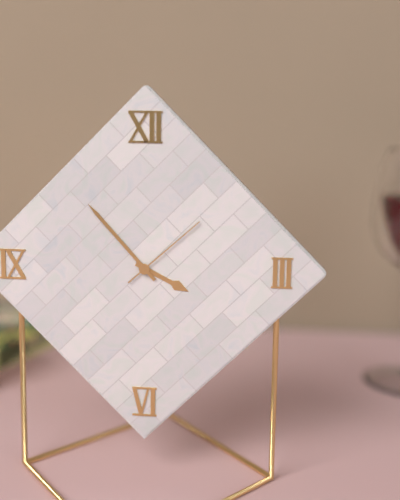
{"hour": 3, "minute": 53, "second": 8}
